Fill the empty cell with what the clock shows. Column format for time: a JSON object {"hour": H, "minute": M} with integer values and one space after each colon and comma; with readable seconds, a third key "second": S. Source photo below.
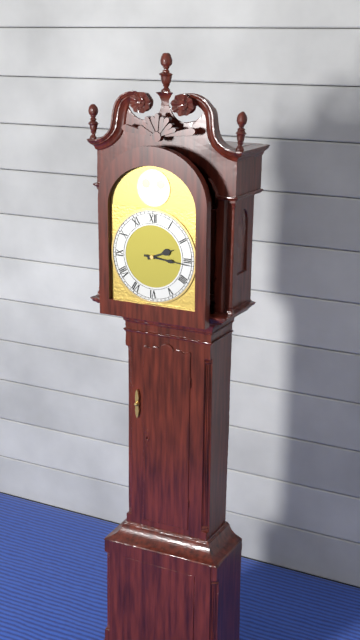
{"hour": 2, "minute": 16}
